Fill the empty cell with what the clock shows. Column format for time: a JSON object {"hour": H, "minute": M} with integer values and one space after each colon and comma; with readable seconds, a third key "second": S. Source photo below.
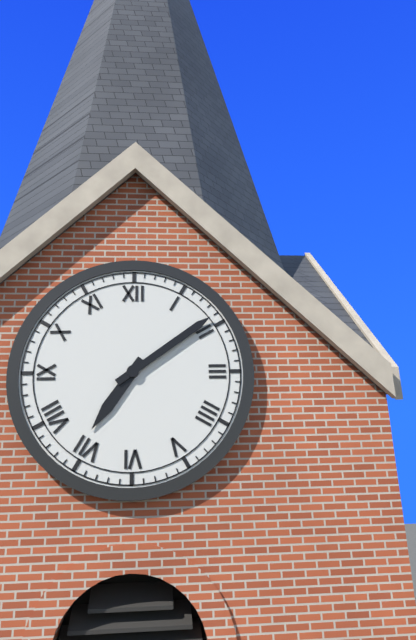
{"hour": 7, "minute": 9}
